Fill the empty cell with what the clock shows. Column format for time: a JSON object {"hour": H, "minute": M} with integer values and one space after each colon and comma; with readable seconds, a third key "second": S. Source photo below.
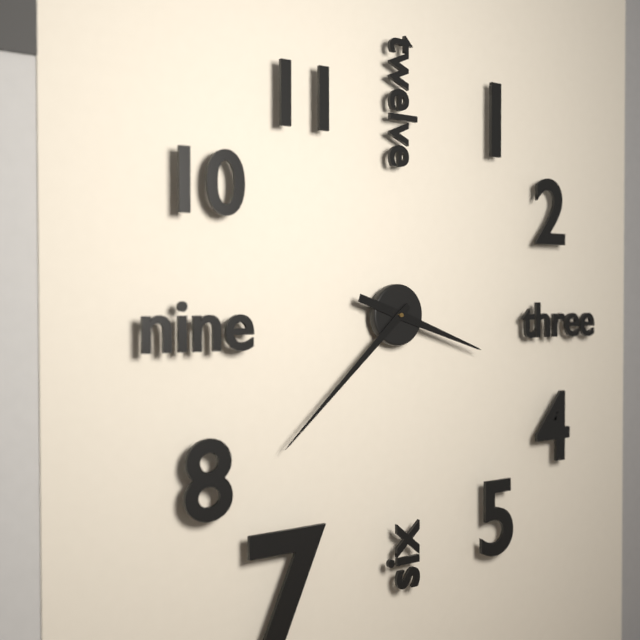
{"hour": 3, "minute": 38}
